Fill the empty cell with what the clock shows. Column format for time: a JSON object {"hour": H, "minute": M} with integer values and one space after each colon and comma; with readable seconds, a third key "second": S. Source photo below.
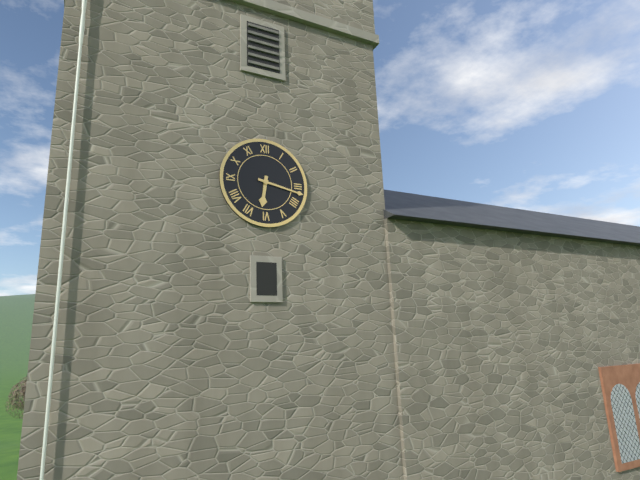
{"hour": 6, "minute": 17}
